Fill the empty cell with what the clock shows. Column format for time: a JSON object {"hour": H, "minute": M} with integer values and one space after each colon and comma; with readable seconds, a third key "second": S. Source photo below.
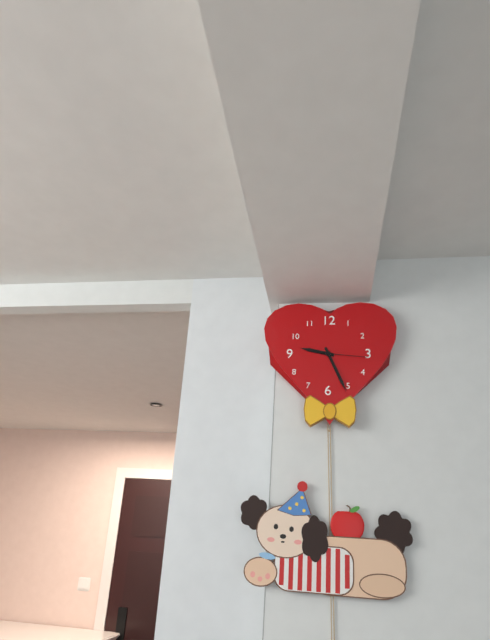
{"hour": 9, "minute": 26}
